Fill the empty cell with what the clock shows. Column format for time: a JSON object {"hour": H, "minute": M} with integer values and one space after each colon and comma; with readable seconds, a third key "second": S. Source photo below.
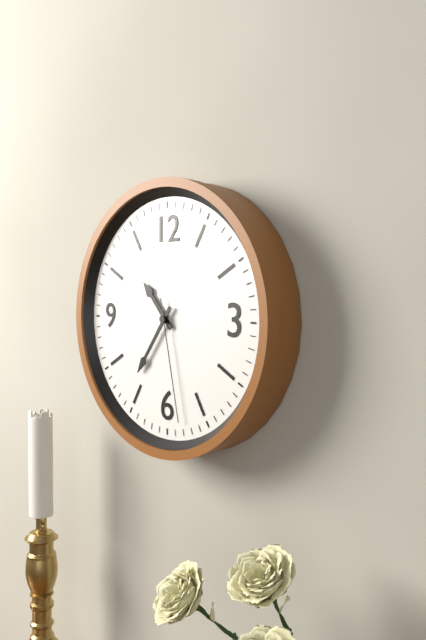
{"hour": 10, "minute": 36, "second": 28}
